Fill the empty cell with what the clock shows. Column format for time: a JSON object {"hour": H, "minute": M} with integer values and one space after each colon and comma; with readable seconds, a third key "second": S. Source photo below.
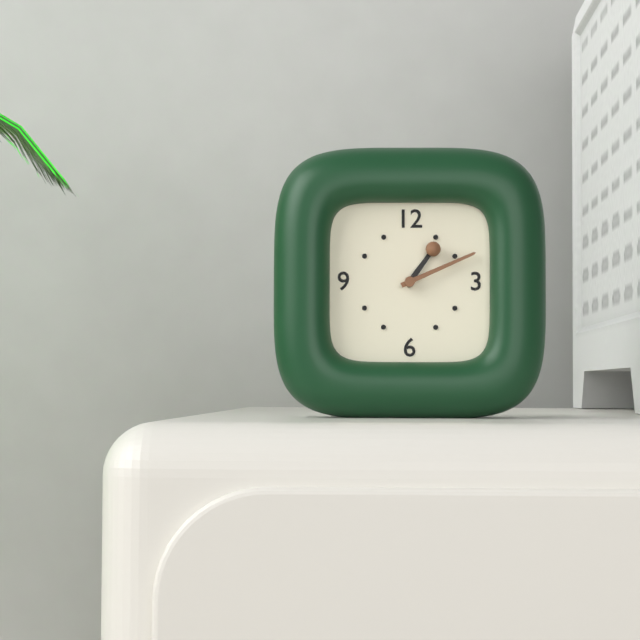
{"hour": 1, "minute": 11}
